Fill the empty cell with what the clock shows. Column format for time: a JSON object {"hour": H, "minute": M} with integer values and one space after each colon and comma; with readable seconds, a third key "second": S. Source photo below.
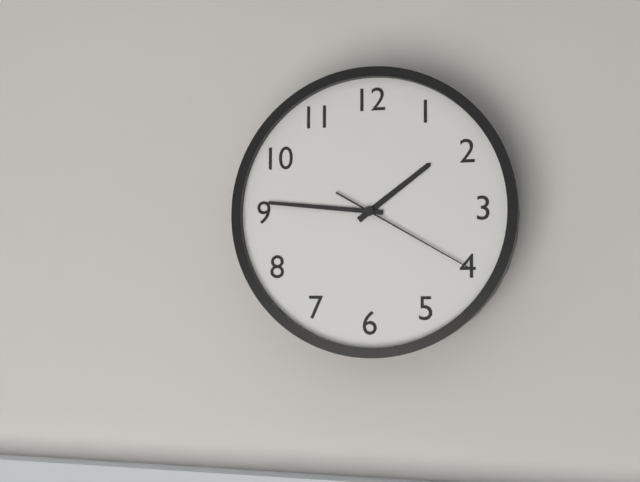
{"hour": 1, "minute": 46, "second": 20}
